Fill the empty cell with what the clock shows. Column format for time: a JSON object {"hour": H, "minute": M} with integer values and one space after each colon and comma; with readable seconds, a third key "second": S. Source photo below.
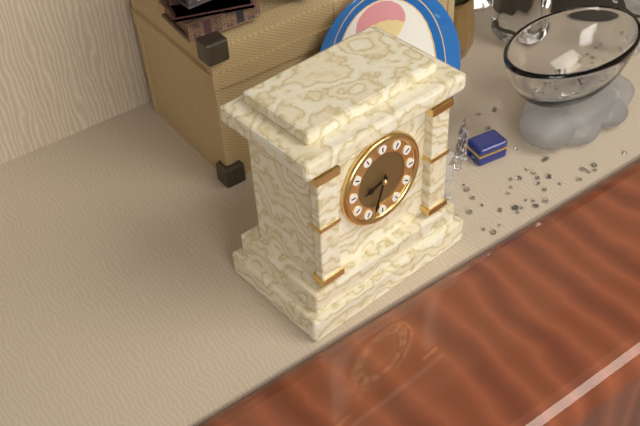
{"hour": 8, "minute": 33}
